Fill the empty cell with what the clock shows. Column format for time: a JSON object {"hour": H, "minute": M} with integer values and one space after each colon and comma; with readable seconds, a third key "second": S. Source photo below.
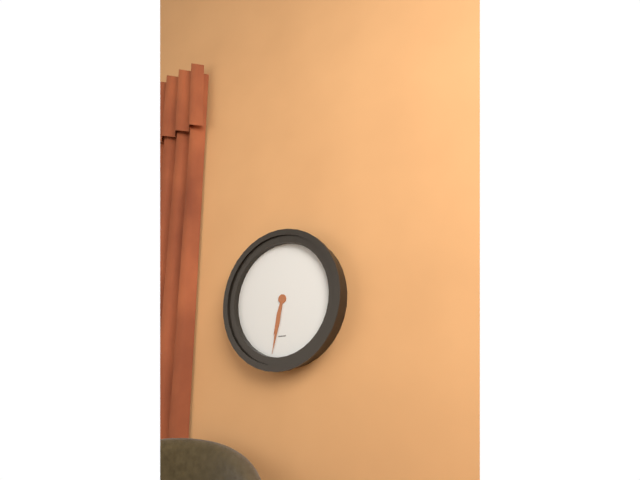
{"hour": 6, "minute": 32}
